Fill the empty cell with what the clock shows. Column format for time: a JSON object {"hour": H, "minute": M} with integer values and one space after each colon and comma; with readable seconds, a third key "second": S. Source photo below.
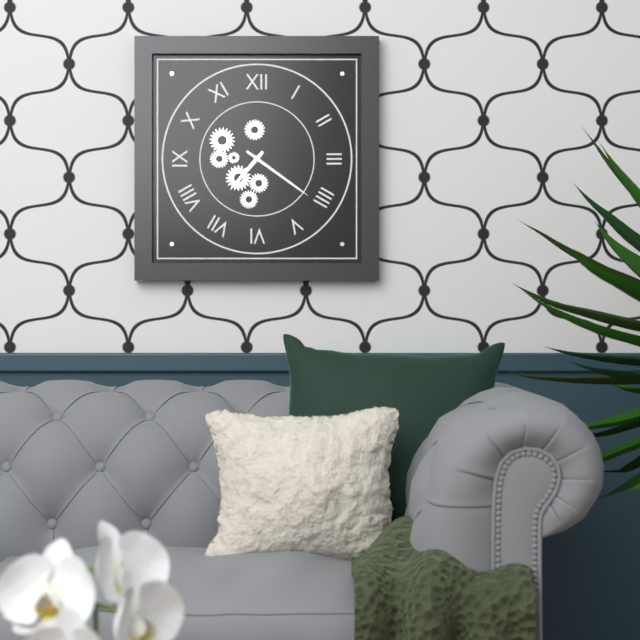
{"hour": 7, "minute": 21}
